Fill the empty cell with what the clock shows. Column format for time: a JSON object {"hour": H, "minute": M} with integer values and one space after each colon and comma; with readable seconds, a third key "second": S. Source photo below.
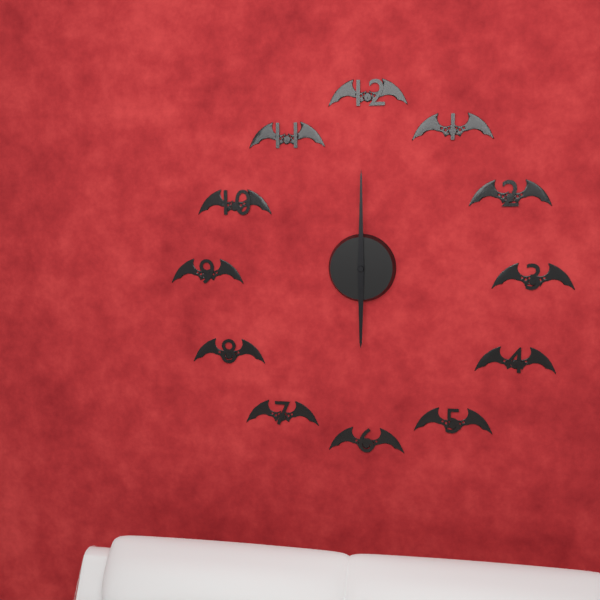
{"hour": 6, "minute": 0}
